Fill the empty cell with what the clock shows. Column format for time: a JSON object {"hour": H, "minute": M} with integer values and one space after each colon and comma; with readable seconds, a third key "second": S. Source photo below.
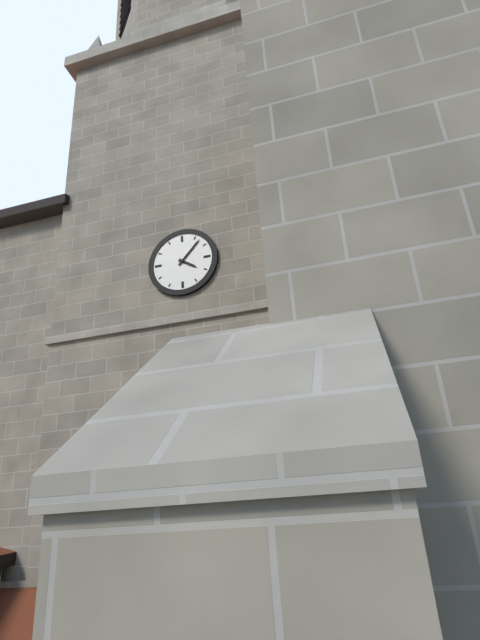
{"hour": 4, "minute": 7}
